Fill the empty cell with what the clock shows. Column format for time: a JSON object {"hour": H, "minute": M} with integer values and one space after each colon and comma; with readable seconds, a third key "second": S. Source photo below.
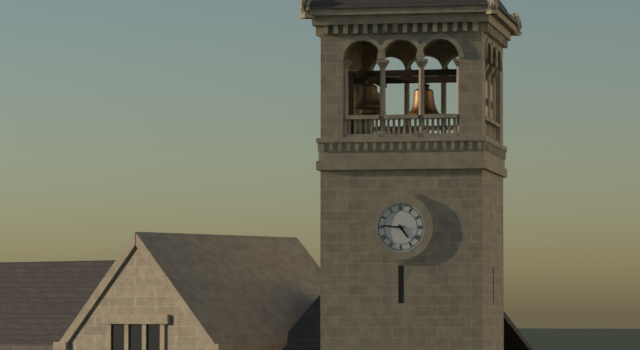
{"hour": 4, "minute": 46}
